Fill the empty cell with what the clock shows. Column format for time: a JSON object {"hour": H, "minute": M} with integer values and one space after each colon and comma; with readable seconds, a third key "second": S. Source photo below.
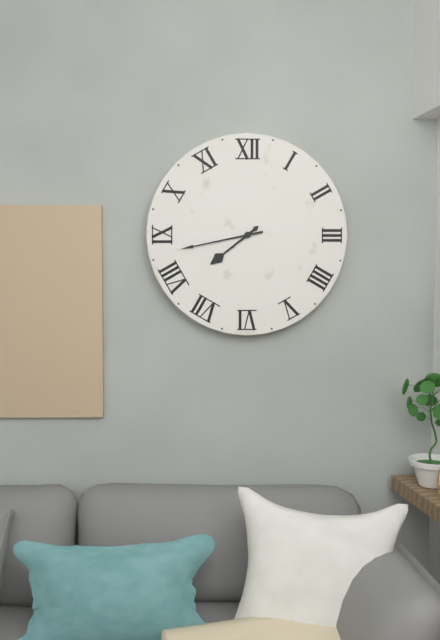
{"hour": 7, "minute": 43}
